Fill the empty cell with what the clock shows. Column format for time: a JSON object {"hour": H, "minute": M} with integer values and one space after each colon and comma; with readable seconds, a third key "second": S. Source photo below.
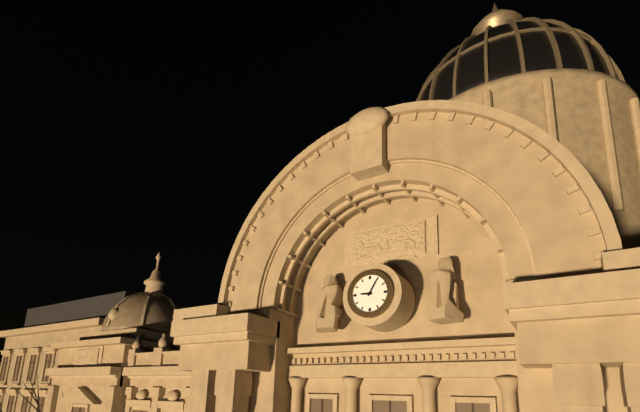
{"hour": 9, "minute": 5}
